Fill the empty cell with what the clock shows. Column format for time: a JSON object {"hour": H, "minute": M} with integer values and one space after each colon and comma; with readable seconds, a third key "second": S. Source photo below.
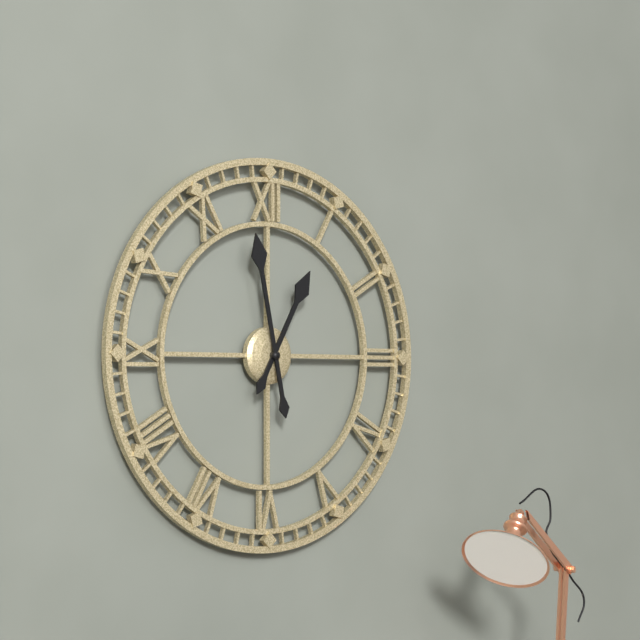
{"hour": 12, "minute": 58}
